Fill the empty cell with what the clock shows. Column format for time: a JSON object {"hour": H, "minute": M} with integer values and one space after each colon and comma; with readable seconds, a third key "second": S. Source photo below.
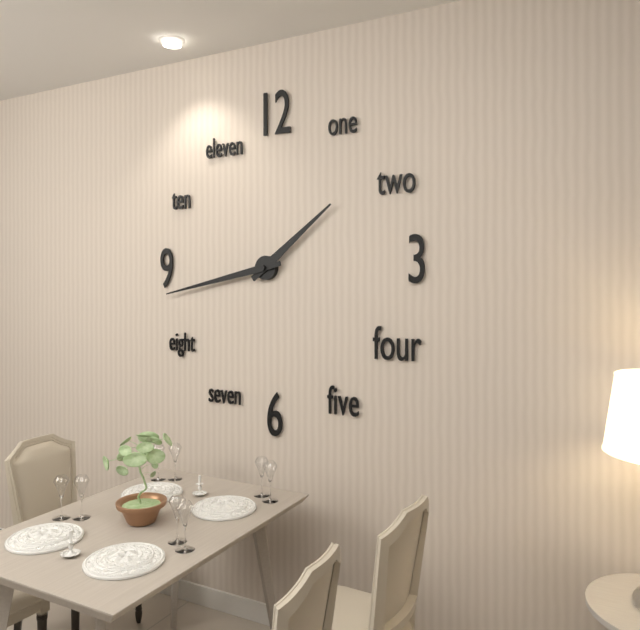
{"hour": 1, "minute": 43}
